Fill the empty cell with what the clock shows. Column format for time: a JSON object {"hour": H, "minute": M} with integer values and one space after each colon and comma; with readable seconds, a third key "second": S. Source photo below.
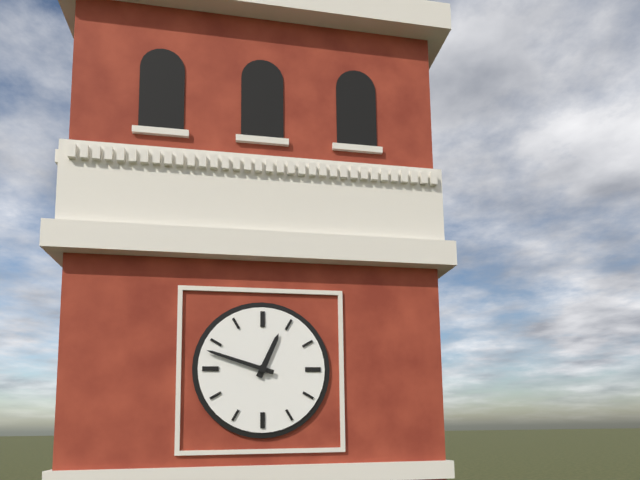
{"hour": 12, "minute": 48}
